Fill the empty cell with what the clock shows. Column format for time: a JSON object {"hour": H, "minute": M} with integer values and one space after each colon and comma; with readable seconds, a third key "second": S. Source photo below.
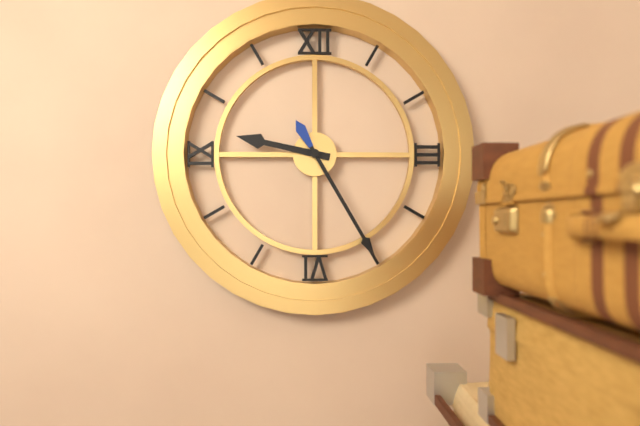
{"hour": 9, "minute": 25}
